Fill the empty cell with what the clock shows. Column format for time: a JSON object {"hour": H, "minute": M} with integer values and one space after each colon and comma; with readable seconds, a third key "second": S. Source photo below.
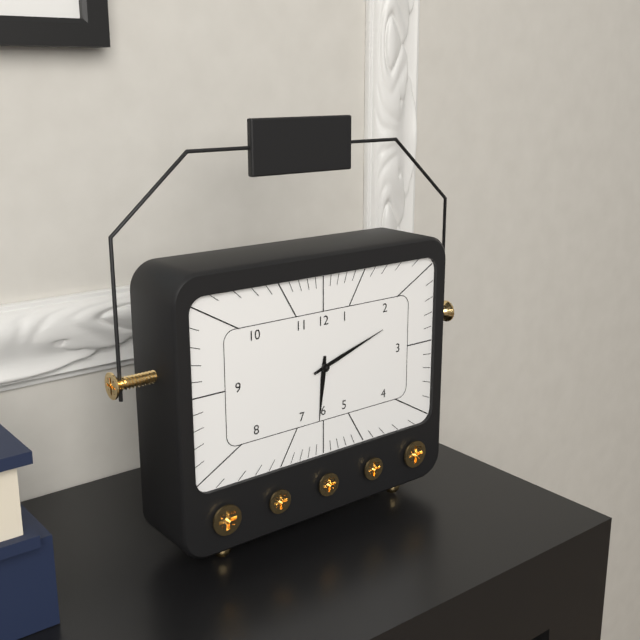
{"hour": 6, "minute": 12}
